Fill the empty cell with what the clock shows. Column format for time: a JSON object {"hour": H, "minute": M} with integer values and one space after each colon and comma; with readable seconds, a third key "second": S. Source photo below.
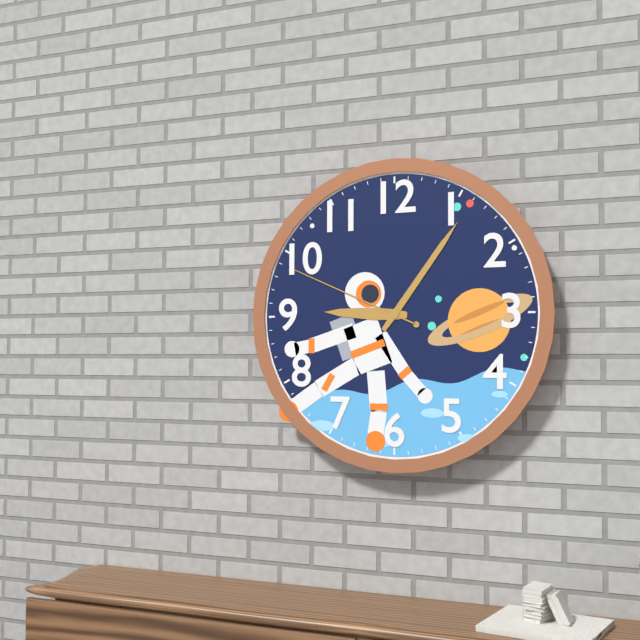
{"hour": 9, "minute": 6, "second": 49}
